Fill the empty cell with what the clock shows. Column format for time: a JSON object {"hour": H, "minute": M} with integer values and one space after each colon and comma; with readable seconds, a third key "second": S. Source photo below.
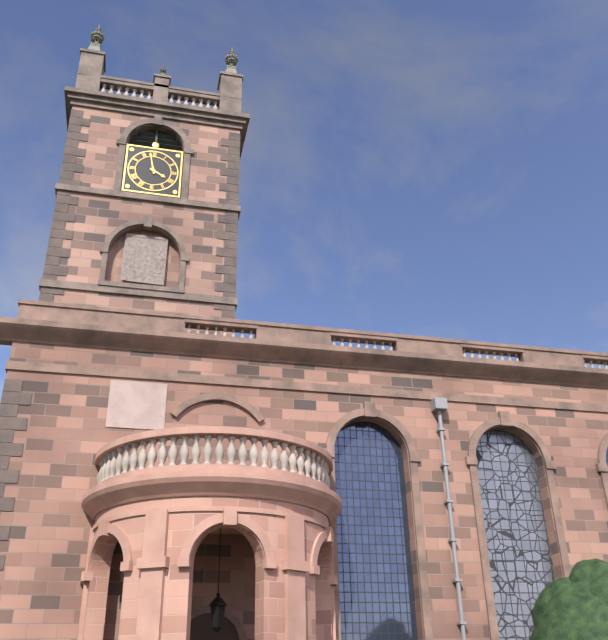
{"hour": 3, "minute": 58}
